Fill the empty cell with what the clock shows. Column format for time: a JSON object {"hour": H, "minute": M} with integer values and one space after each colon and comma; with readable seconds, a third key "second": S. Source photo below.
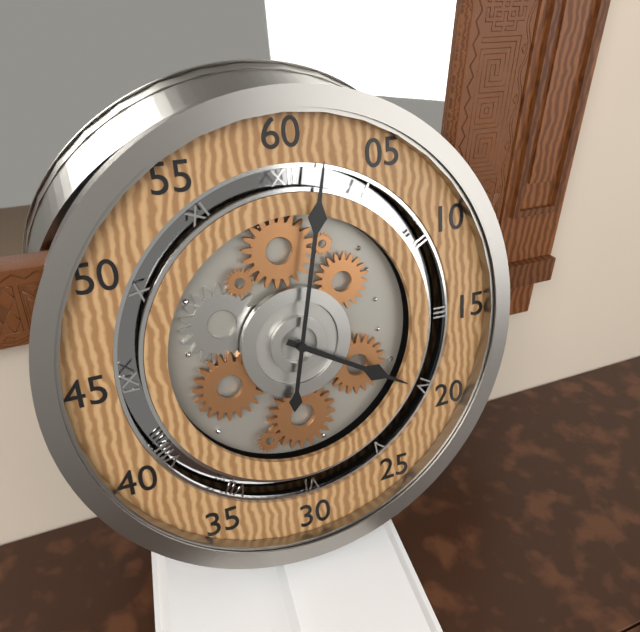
{"hour": 4, "minute": 2}
